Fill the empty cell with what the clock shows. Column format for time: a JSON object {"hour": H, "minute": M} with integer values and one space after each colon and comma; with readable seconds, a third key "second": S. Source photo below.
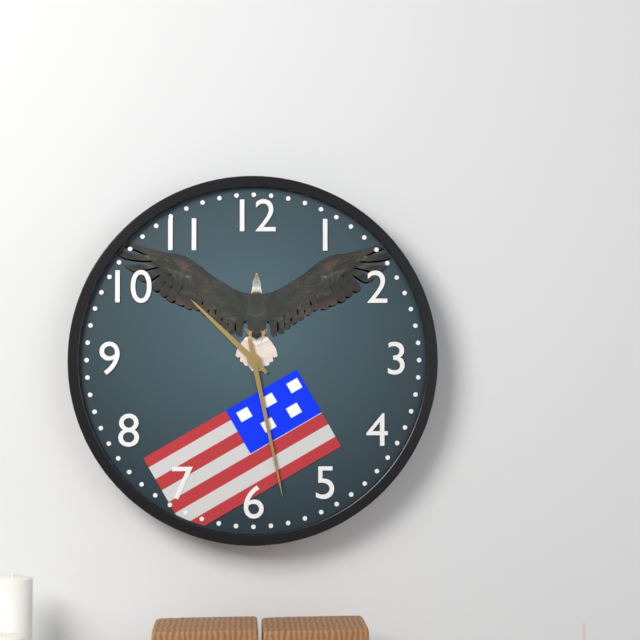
{"hour": 10, "minute": 28}
